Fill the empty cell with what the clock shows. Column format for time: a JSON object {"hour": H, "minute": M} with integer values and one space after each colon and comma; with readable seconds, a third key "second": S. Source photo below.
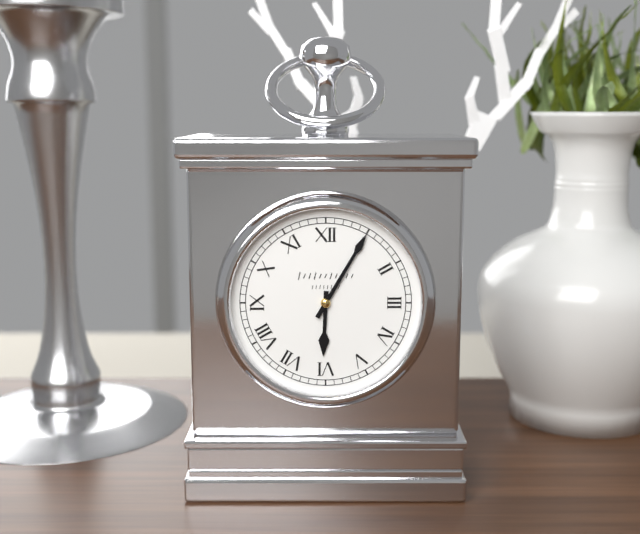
{"hour": 6, "minute": 5}
